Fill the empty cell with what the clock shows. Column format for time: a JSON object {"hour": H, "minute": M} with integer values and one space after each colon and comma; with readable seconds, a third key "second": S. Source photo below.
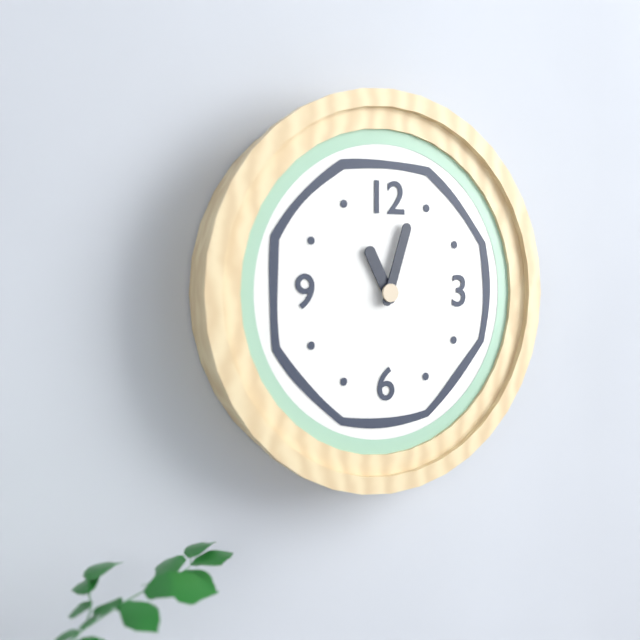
{"hour": 11, "minute": 3}
